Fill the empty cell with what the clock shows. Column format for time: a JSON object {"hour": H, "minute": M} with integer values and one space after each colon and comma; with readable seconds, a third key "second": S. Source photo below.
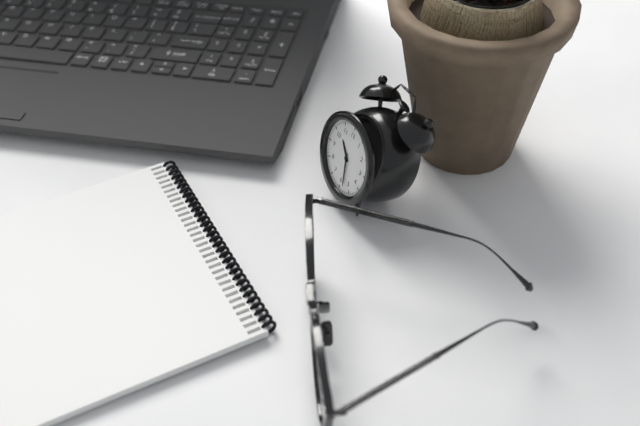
{"hour": 10, "minute": 28}
